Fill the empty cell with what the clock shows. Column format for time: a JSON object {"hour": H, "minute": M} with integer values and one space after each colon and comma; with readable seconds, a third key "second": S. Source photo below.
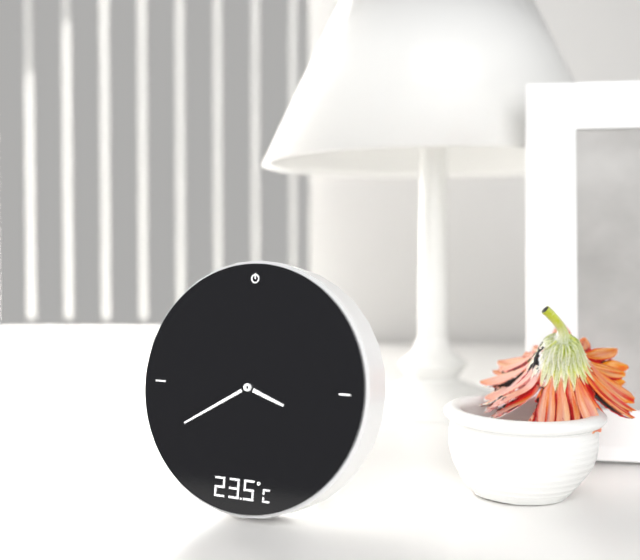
{"hour": 3, "minute": 40}
